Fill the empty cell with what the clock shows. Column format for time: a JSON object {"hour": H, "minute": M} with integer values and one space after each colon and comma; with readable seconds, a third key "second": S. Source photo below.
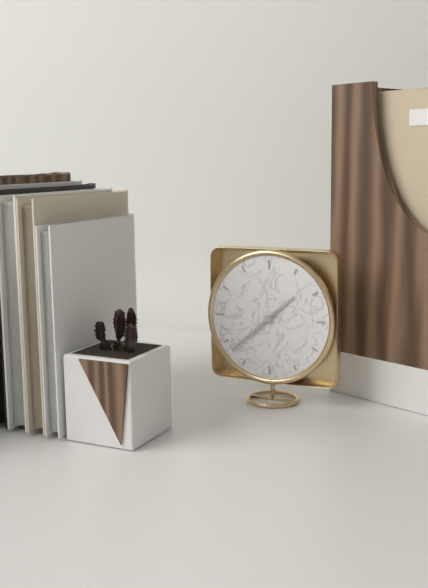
{"hour": 1, "minute": 38}
